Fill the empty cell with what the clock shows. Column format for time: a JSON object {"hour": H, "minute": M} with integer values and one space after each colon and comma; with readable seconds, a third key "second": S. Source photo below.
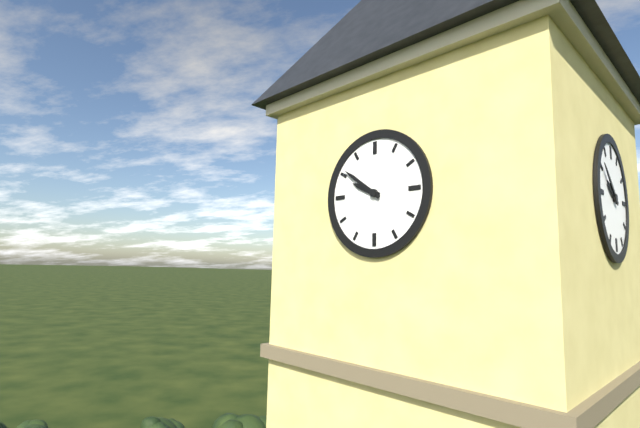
{"hour": 9, "minute": 51}
